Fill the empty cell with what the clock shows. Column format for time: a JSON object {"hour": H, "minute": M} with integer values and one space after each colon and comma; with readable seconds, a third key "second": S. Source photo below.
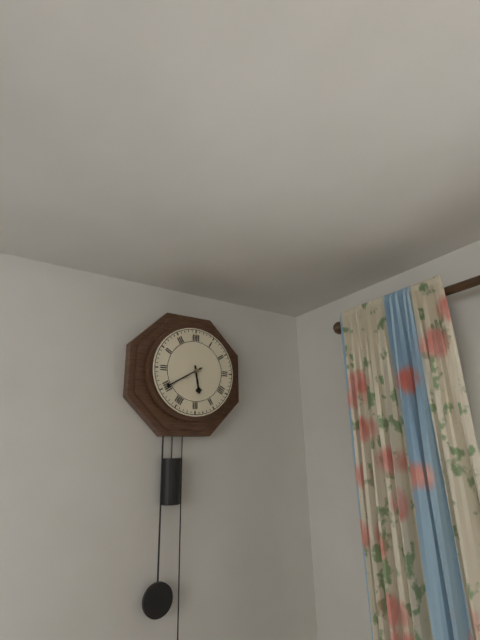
{"hour": 5, "minute": 40}
